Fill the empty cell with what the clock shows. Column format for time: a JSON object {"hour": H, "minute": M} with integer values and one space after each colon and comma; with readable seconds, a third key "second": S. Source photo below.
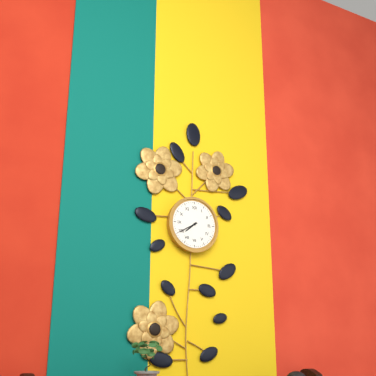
{"hour": 7, "minute": 40}
